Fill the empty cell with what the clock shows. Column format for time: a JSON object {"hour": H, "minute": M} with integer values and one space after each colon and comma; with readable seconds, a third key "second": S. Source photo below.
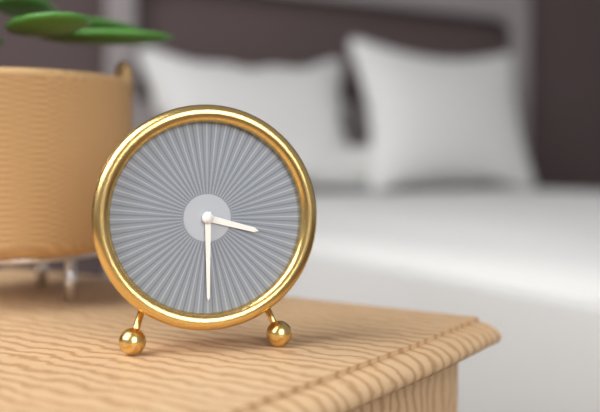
{"hour": 3, "minute": 30}
